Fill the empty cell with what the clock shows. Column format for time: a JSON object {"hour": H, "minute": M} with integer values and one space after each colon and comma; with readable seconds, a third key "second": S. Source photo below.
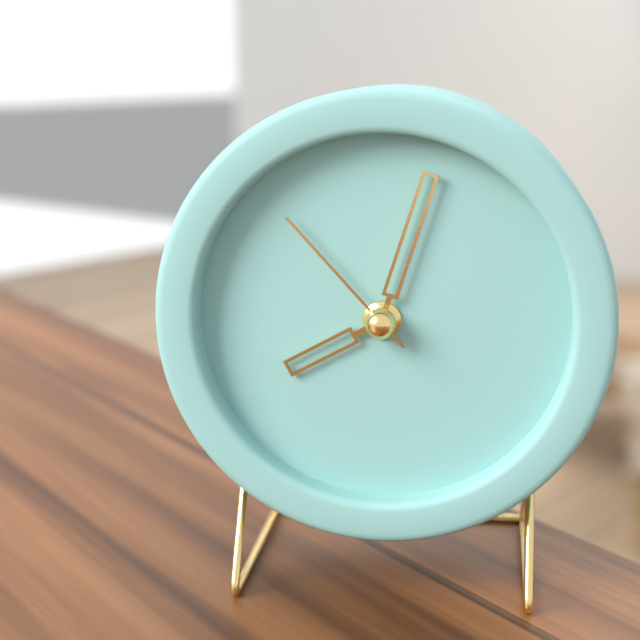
{"hour": 8, "minute": 3, "second": 53}
